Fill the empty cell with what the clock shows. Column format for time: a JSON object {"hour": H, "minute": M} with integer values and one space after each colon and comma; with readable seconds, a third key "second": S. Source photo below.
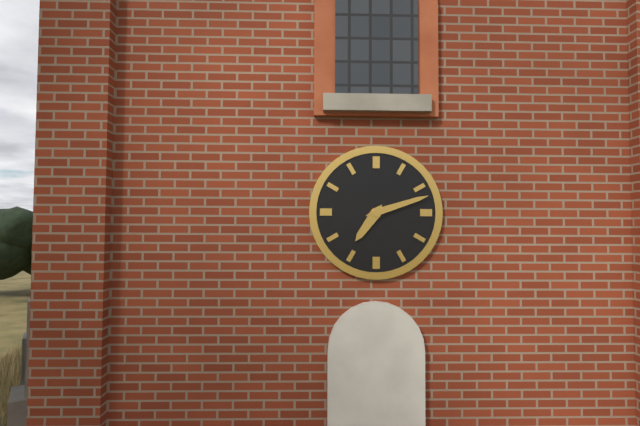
{"hour": 7, "minute": 12}
